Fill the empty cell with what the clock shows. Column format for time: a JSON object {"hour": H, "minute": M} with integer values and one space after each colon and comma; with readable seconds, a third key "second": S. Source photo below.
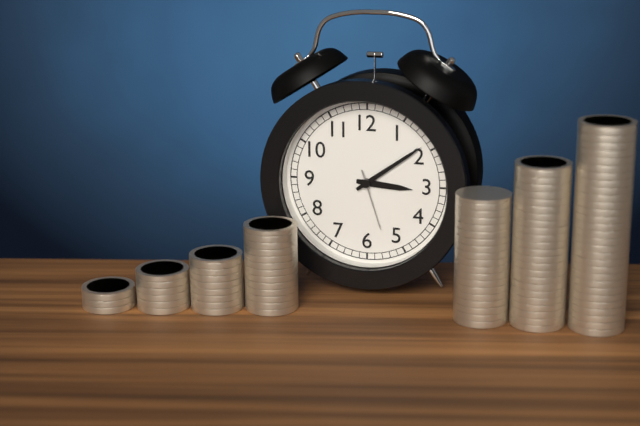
{"hour": 3, "minute": 9, "second": 27}
